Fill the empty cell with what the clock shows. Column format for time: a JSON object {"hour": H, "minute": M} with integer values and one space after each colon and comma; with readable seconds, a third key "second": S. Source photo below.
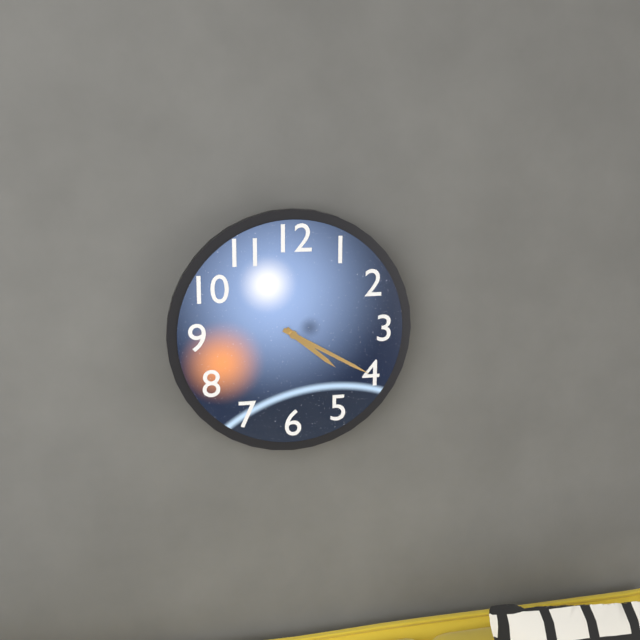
{"hour": 4, "minute": 20}
